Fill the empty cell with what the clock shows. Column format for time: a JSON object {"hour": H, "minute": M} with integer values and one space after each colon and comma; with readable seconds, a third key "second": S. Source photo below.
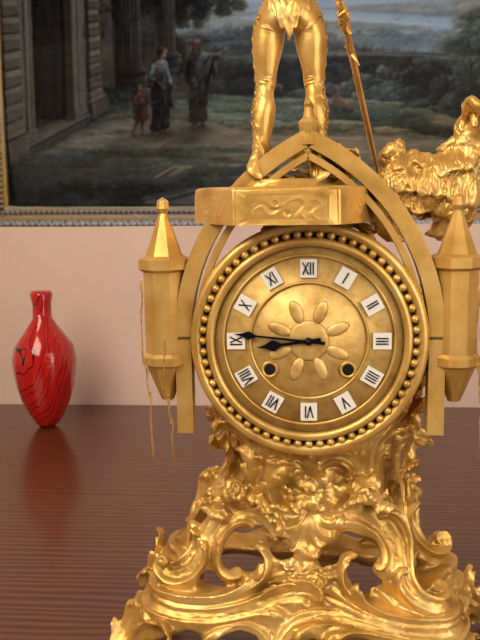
{"hour": 8, "minute": 46}
